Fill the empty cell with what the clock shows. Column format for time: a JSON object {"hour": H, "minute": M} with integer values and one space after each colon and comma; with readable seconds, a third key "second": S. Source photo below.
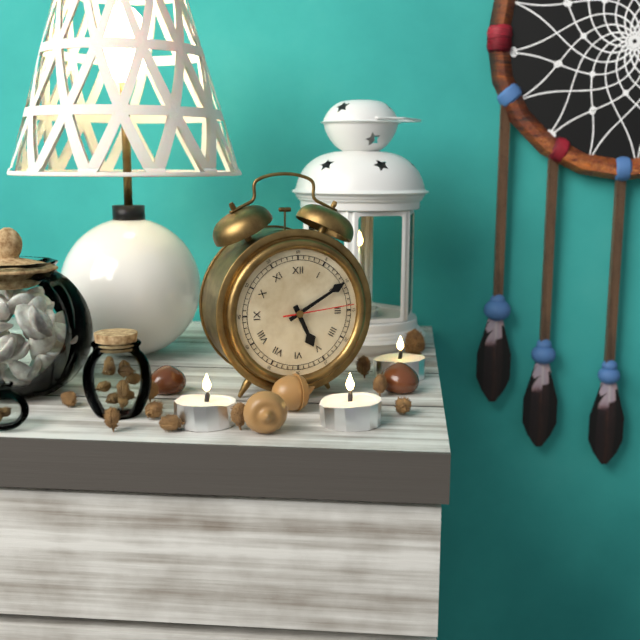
{"hour": 5, "minute": 10, "second": 14}
